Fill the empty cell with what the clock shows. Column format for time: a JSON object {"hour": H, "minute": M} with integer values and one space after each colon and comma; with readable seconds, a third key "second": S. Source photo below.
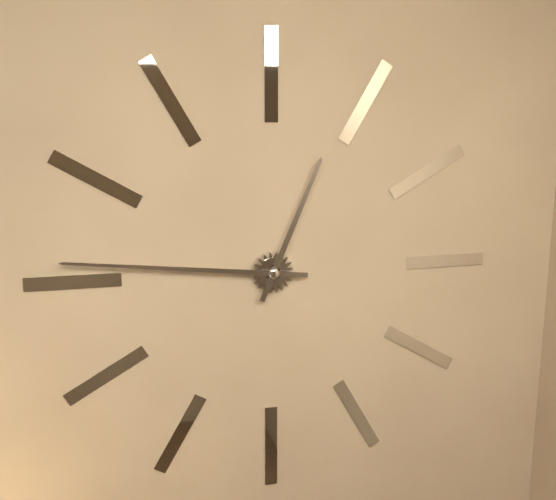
{"hour": 12, "minute": 46}
